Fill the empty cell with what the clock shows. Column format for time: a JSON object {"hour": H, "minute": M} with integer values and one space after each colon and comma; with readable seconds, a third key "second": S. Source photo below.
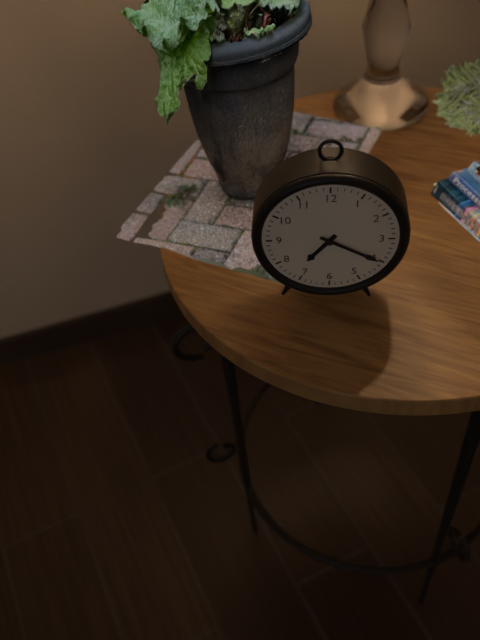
{"hour": 7, "minute": 20}
